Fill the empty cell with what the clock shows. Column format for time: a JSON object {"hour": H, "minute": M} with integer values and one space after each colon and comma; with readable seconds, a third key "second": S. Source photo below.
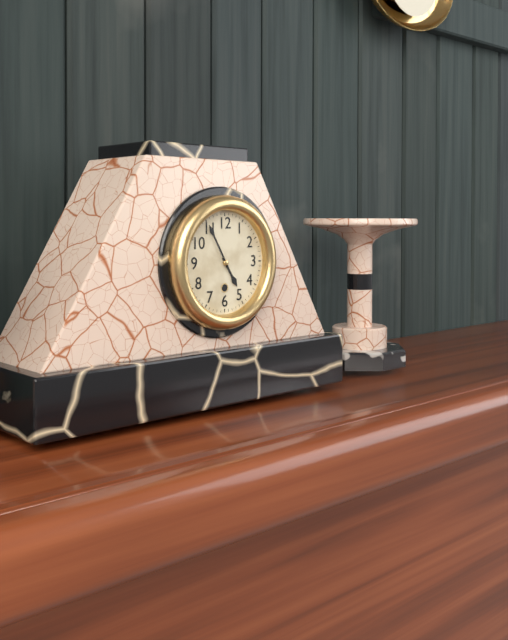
{"hour": 4, "minute": 55}
